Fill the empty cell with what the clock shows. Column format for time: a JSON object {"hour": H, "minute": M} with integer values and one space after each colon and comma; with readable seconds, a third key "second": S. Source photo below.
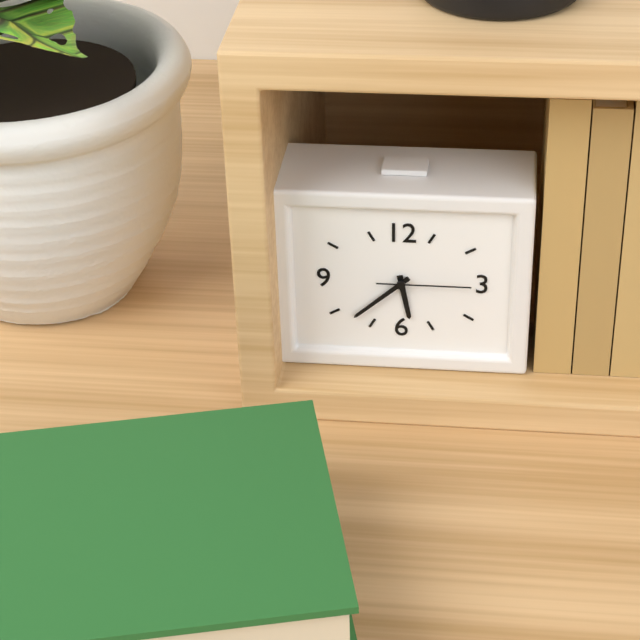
{"hour": 5, "minute": 38, "second": 15}
